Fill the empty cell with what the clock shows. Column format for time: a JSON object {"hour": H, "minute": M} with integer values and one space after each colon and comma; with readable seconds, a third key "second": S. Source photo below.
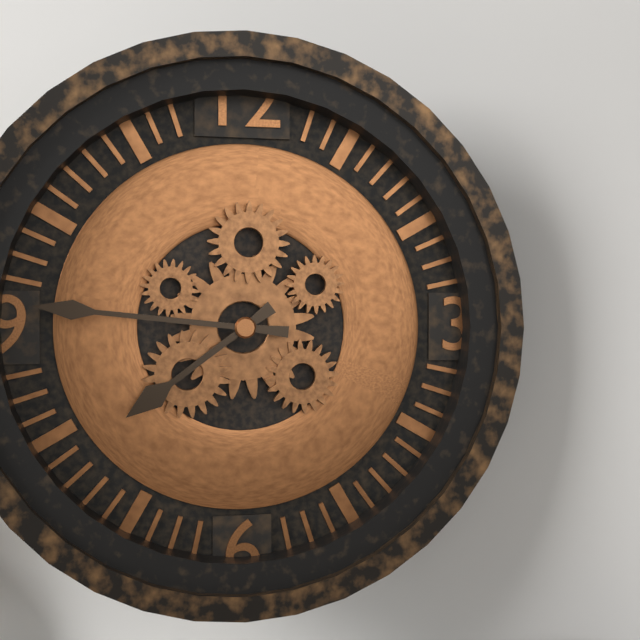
{"hour": 7, "minute": 46}
